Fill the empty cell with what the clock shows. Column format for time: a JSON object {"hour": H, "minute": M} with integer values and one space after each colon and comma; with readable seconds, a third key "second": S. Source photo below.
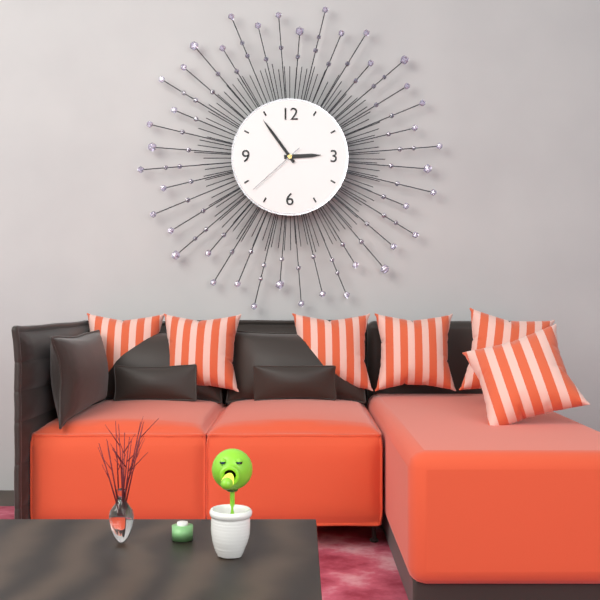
{"hour": 2, "minute": 54, "second": 38}
